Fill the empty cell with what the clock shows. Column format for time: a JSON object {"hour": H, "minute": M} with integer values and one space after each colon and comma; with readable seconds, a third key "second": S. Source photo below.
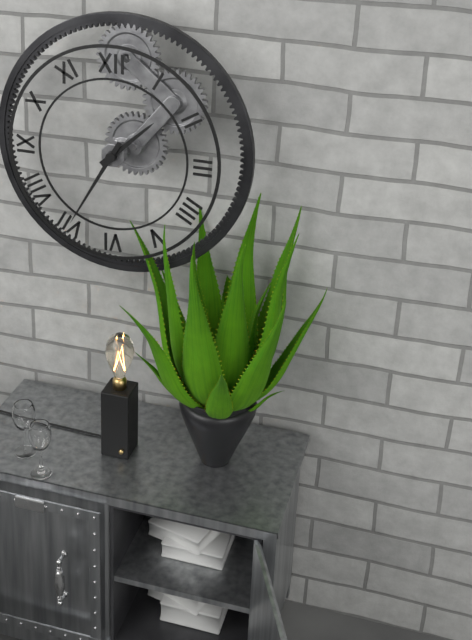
{"hour": 1, "minute": 35}
